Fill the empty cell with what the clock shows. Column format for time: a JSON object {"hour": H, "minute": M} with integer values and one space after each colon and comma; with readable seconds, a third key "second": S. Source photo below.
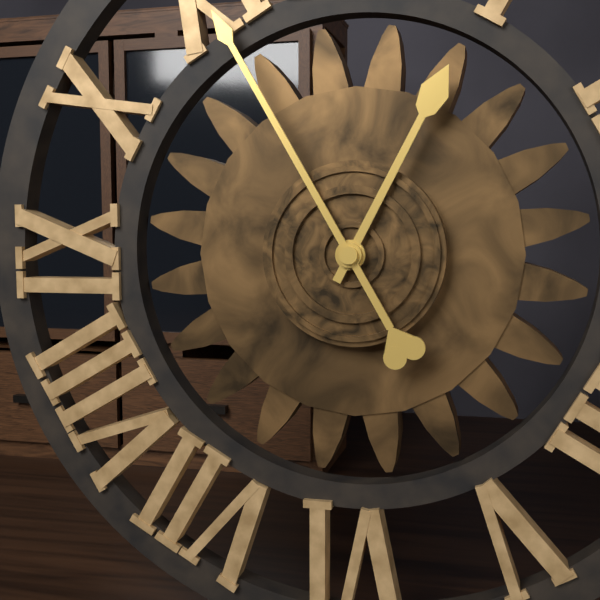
{"hour": 12, "minute": 55}
